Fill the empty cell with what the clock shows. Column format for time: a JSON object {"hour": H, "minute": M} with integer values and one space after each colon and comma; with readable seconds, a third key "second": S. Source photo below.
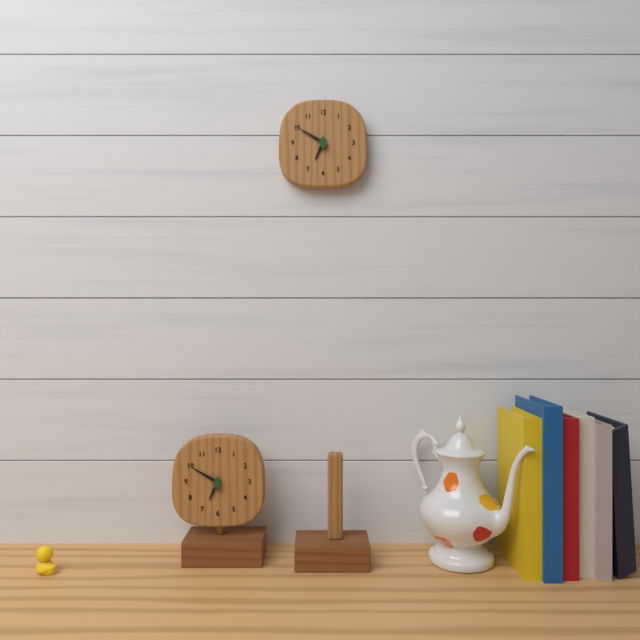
{"hour": 6, "minute": 50}
